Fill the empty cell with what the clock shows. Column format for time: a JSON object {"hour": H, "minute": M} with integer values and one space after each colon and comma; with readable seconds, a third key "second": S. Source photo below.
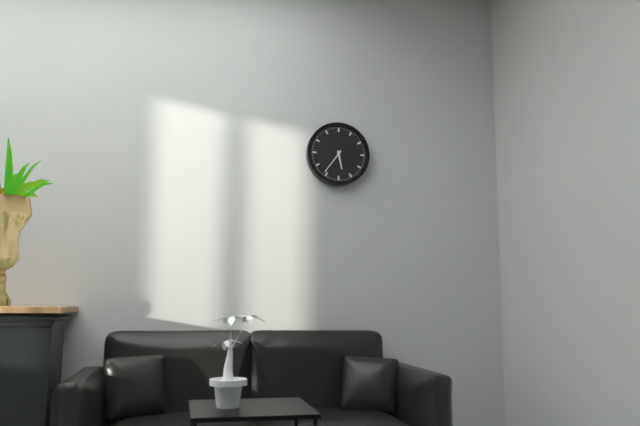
{"hour": 5, "minute": 36}
